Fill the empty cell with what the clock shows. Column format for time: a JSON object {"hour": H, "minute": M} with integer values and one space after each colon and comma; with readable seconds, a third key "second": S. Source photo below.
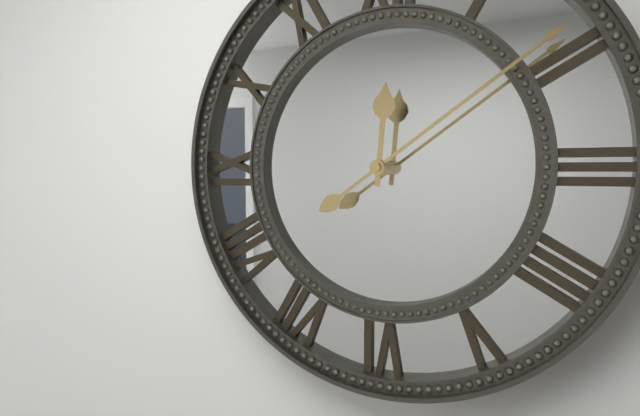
{"hour": 12, "minute": 9}
